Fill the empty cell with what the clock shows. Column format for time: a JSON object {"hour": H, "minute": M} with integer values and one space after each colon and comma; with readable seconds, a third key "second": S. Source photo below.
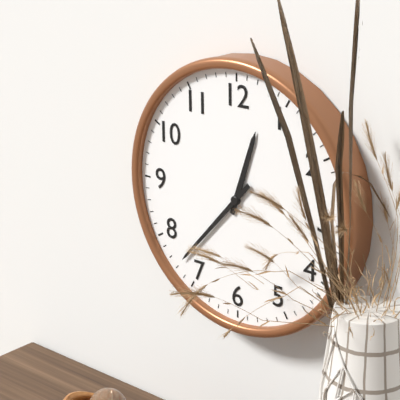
{"hour": 12, "minute": 37}
